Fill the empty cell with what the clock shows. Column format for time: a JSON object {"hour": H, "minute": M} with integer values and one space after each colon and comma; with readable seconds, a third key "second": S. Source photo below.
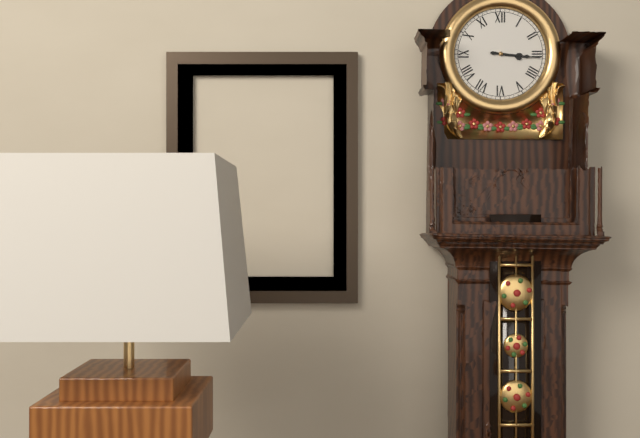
{"hour": 3, "minute": 16}
